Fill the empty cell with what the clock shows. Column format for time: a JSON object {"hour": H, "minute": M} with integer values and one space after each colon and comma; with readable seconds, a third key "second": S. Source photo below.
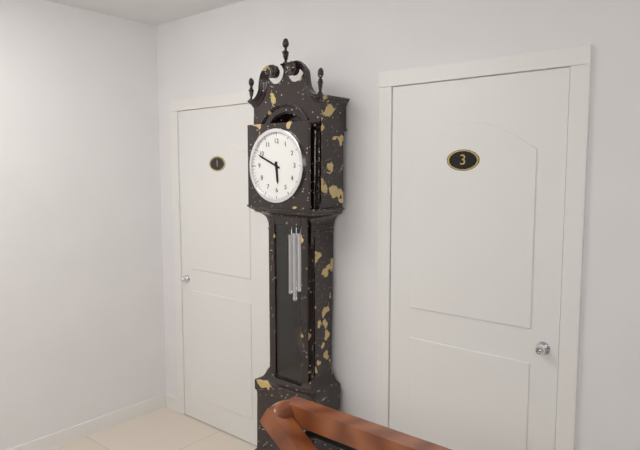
{"hour": 5, "minute": 49}
